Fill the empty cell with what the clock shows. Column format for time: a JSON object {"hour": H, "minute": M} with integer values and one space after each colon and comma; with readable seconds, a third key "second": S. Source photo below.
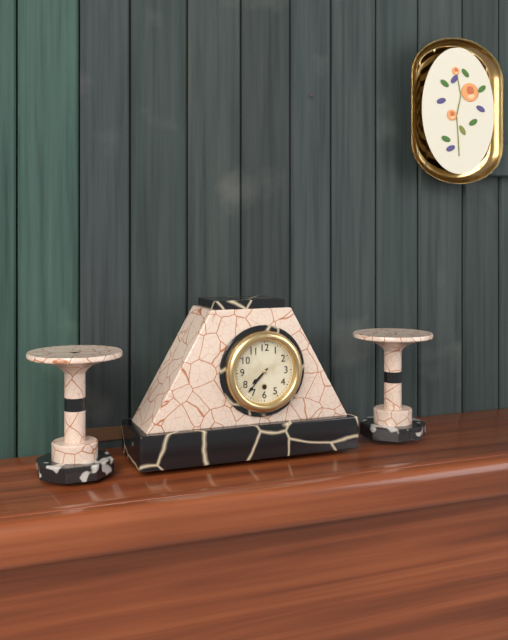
{"hour": 7, "minute": 37}
